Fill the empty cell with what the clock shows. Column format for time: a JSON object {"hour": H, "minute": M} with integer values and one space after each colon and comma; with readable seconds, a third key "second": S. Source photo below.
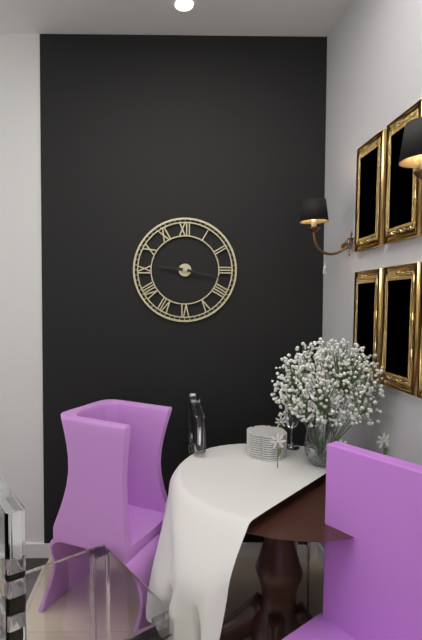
{"hour": 9, "minute": 17}
